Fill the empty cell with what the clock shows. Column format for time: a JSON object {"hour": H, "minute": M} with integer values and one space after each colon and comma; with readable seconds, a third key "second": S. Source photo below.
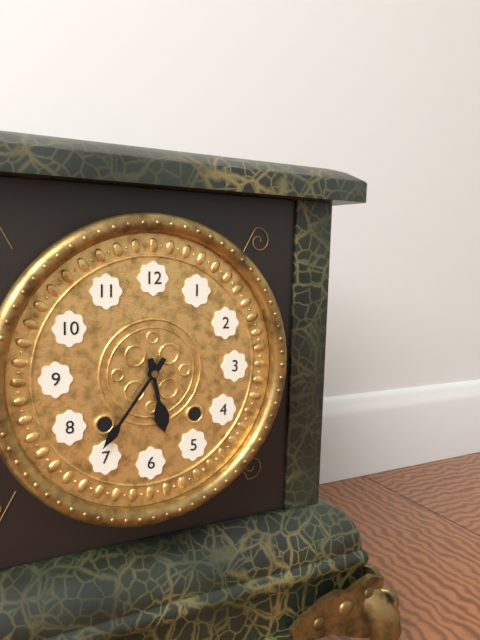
{"hour": 5, "minute": 36}
